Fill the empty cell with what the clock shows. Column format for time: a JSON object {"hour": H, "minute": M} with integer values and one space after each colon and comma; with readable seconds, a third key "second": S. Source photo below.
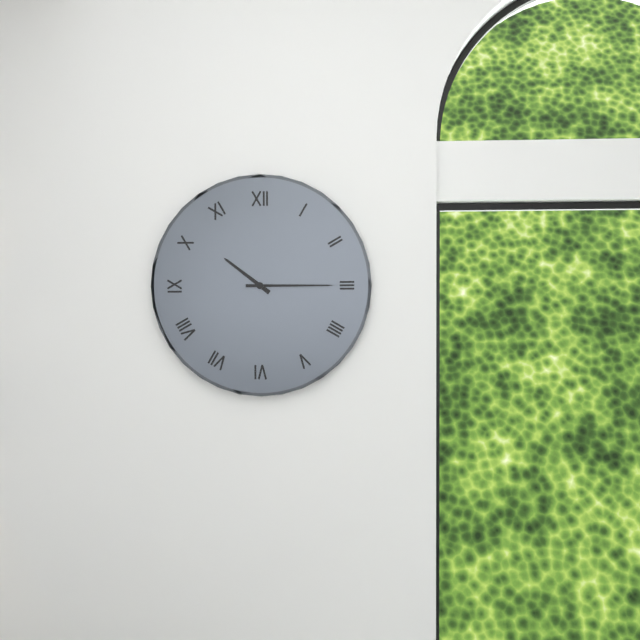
{"hour": 10, "minute": 15}
